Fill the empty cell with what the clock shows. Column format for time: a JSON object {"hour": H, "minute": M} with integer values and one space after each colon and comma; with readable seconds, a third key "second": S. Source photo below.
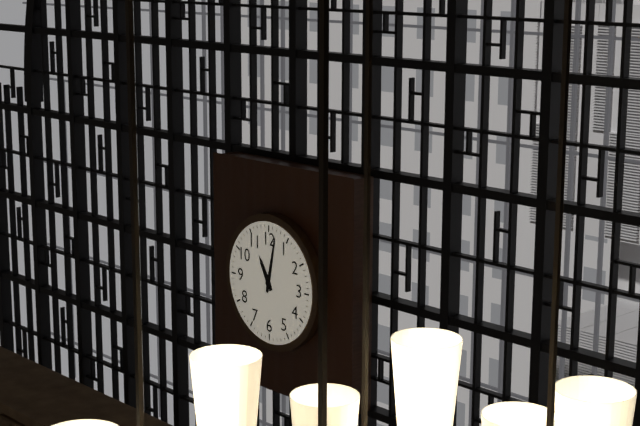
{"hour": 11, "minute": 2}
